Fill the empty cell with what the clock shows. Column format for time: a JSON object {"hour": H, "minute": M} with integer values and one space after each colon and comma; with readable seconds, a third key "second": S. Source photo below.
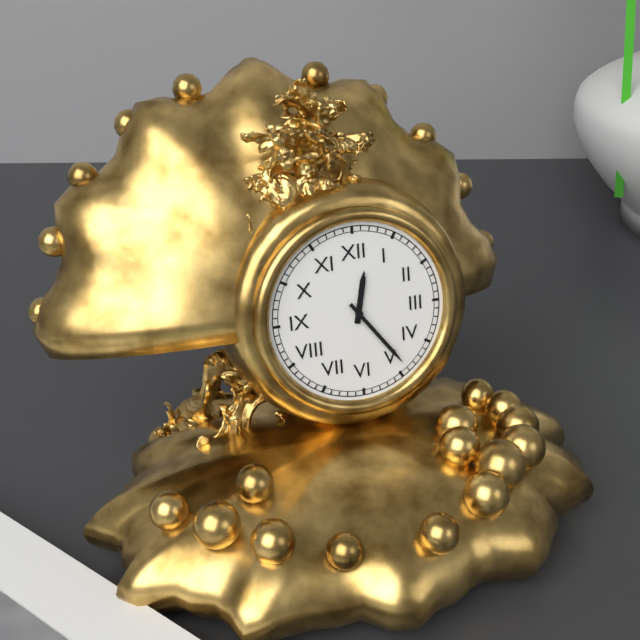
{"hour": 12, "minute": 24}
